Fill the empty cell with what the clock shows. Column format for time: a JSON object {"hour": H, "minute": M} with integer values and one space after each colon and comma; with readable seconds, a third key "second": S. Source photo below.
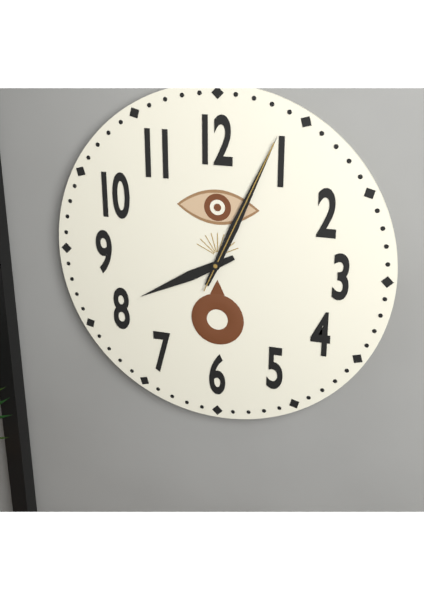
{"hour": 8, "minute": 4, "second": 4}
